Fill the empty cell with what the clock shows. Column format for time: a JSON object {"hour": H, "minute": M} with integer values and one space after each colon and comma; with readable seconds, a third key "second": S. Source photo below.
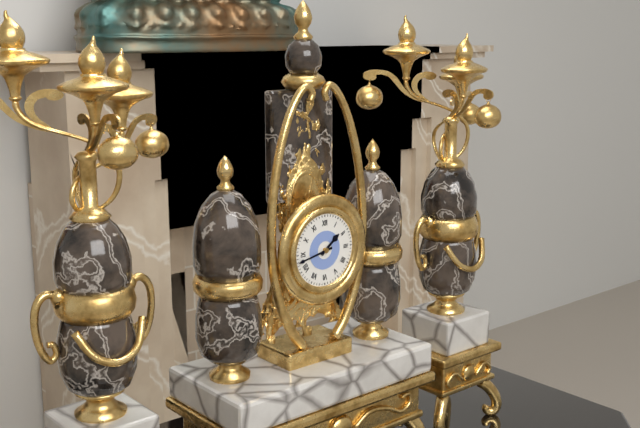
{"hour": 1, "minute": 43}
